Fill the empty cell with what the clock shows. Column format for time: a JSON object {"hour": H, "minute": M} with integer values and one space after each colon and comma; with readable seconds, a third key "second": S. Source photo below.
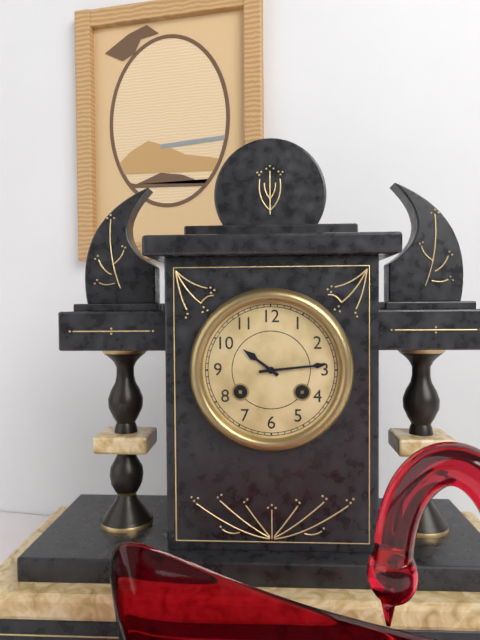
{"hour": 10, "minute": 14}
